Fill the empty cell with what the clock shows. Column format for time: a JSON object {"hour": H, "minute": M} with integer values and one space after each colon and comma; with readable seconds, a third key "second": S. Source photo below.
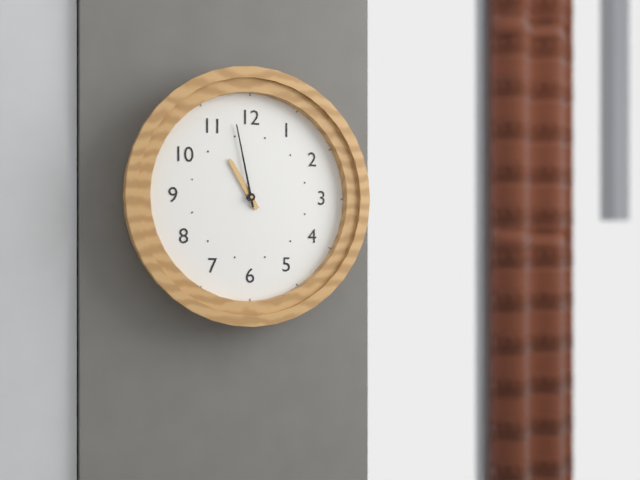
{"hour": 10, "minute": 58}
